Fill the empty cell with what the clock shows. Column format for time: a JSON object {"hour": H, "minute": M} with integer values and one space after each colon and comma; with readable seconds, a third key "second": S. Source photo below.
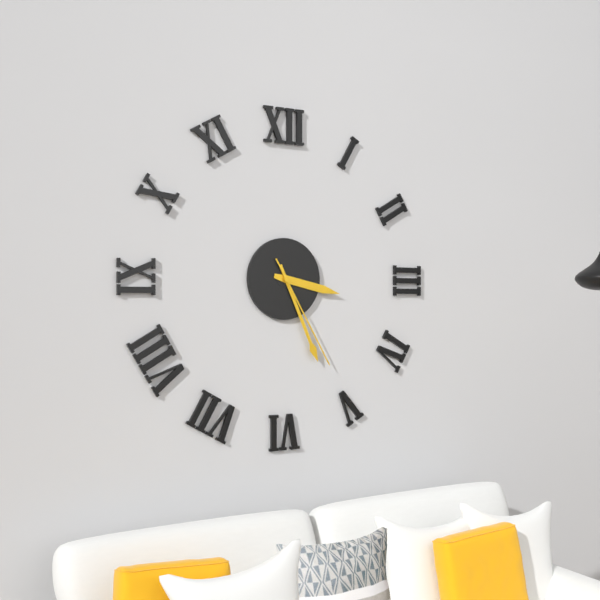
{"hour": 3, "minute": 26, "second": 25}
